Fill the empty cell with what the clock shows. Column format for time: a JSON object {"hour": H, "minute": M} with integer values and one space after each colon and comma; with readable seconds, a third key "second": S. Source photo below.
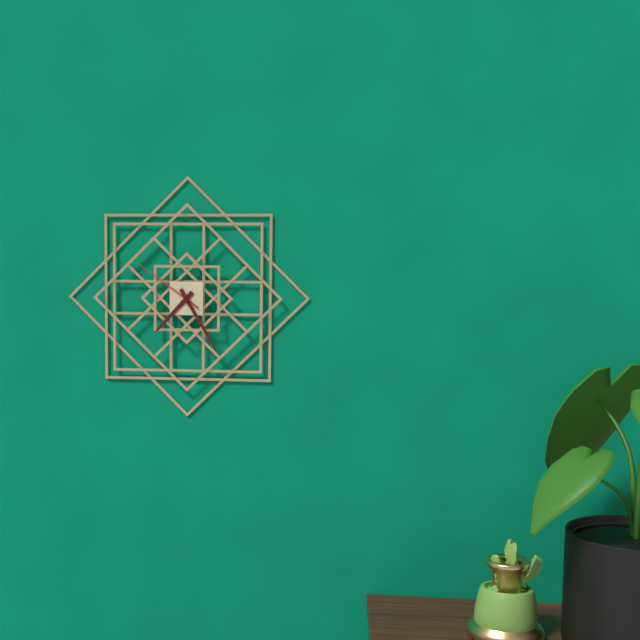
{"hour": 7, "minute": 25, "second": 51}
